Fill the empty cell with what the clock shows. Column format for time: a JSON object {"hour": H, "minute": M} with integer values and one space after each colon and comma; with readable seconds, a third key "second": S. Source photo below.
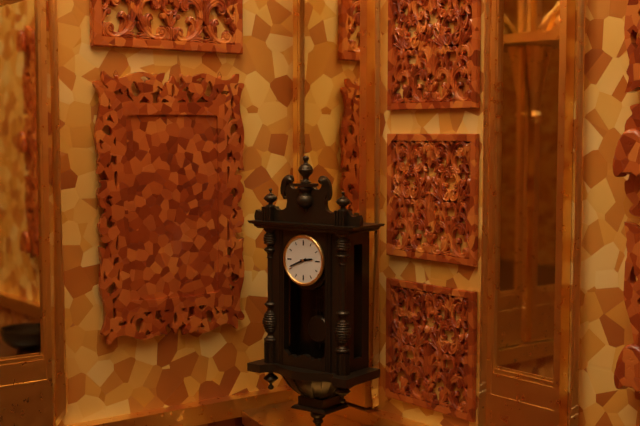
{"hour": 2, "minute": 41}
